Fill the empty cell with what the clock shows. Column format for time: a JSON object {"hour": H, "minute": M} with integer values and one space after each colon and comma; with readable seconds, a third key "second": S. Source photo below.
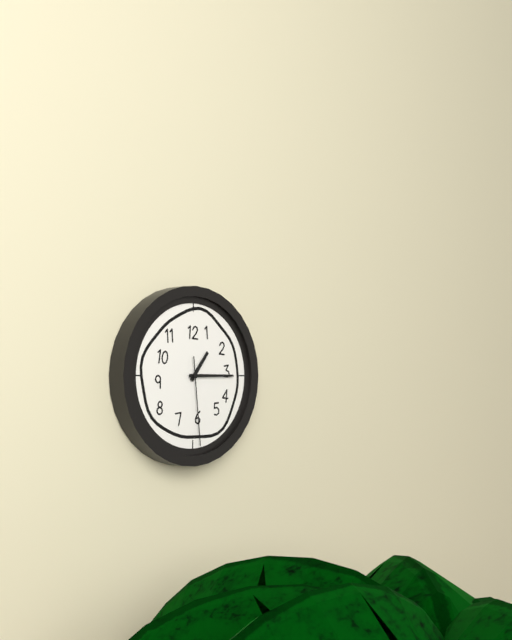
{"hour": 1, "minute": 15, "second": 29}
